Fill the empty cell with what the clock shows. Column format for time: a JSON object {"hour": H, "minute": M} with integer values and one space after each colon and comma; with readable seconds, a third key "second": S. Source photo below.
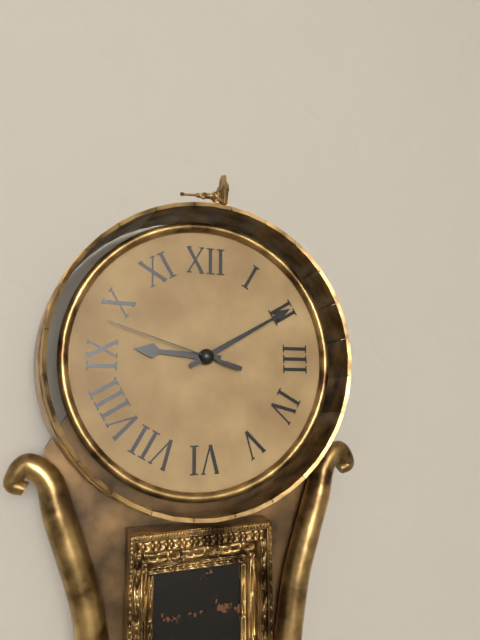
{"hour": 9, "minute": 10, "second": 48}
